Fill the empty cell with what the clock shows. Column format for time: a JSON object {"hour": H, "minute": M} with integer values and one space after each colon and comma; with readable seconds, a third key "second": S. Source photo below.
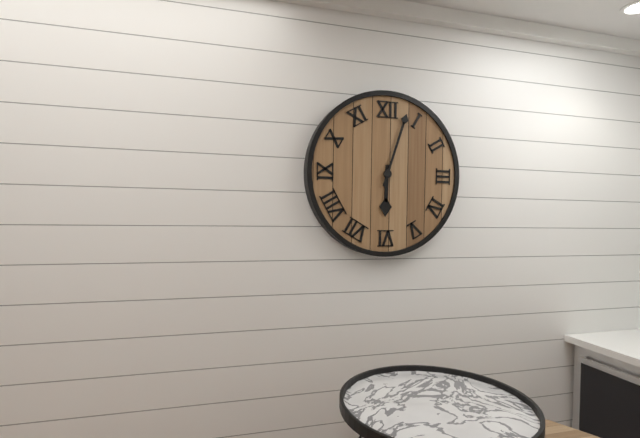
{"hour": 6, "minute": 3}
